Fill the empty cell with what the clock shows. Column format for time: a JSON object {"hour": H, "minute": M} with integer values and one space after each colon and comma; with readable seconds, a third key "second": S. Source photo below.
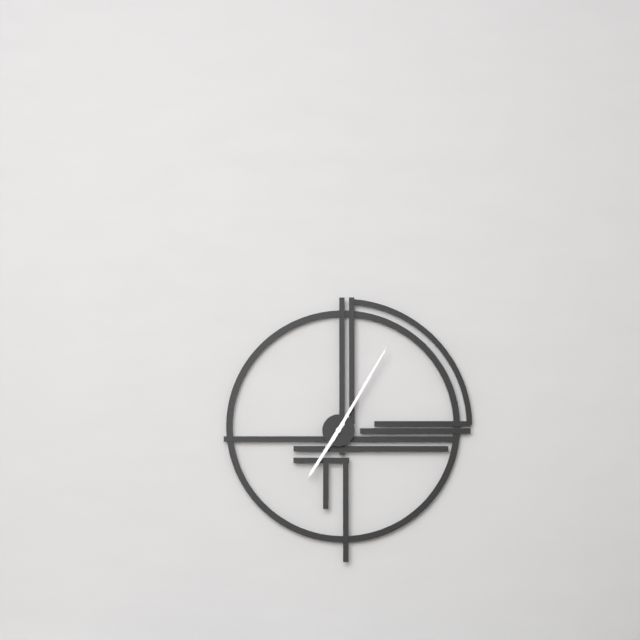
{"hour": 7, "minute": 5}
